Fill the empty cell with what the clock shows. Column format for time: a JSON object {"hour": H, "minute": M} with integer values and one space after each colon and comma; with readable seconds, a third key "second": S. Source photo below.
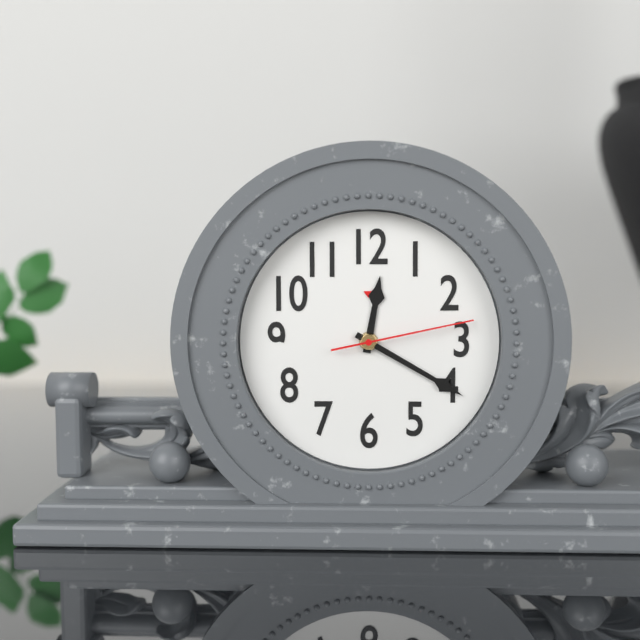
{"hour": 12, "minute": 20, "second": 13}
